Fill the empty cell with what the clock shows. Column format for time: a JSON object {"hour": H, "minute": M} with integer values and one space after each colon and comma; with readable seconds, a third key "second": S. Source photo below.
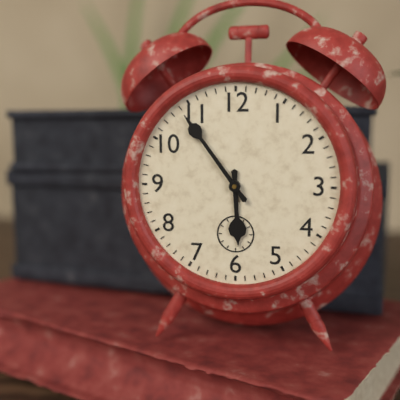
{"hour": 5, "minute": 54}
